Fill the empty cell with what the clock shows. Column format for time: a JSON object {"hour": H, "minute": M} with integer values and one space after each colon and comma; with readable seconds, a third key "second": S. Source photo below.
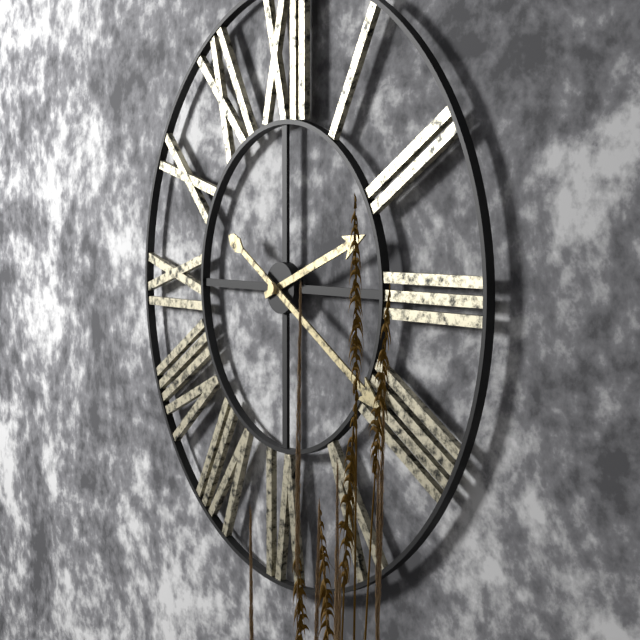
{"hour": 2, "minute": 20}
